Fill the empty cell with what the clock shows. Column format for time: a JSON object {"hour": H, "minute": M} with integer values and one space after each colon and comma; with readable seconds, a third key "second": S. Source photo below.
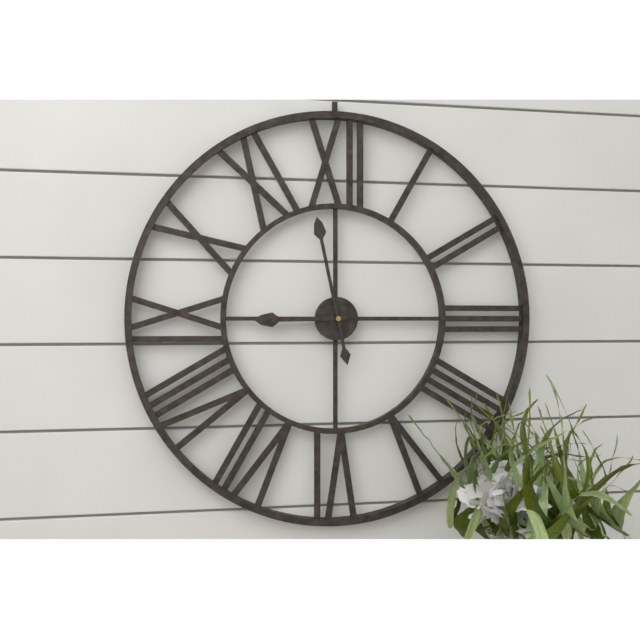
{"hour": 8, "minute": 58}
